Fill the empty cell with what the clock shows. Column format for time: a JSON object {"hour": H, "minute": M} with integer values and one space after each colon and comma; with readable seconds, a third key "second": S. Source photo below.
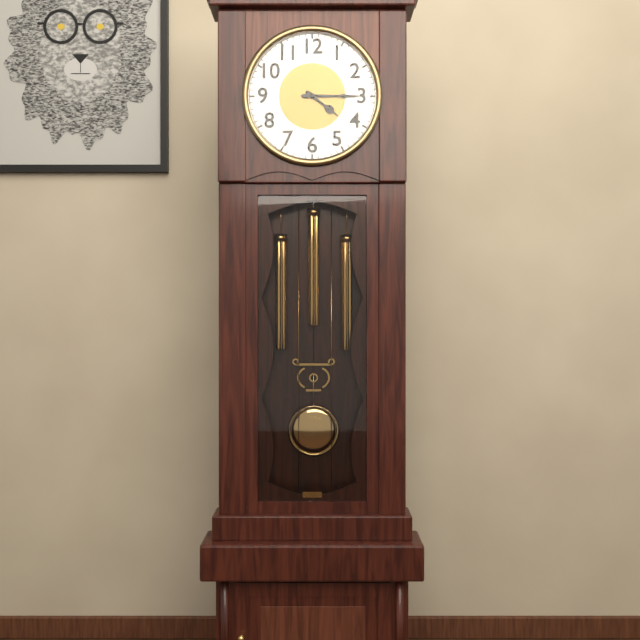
{"hour": 4, "minute": 15}
